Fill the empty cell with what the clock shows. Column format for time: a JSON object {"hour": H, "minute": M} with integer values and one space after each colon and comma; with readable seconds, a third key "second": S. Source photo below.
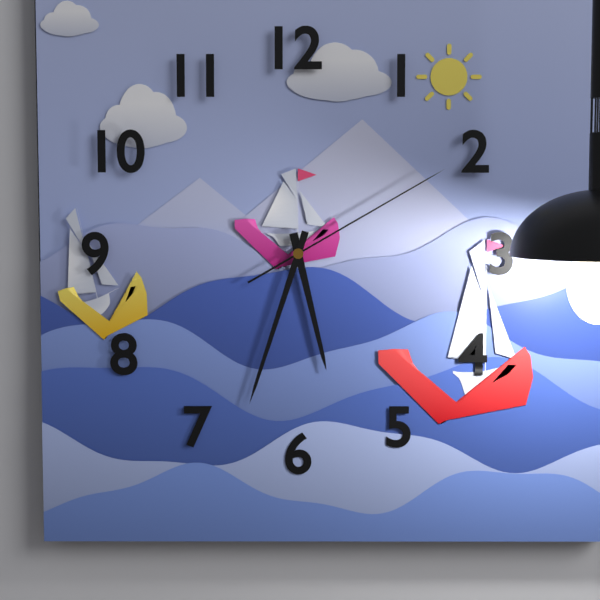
{"hour": 5, "minute": 33, "second": 10}
